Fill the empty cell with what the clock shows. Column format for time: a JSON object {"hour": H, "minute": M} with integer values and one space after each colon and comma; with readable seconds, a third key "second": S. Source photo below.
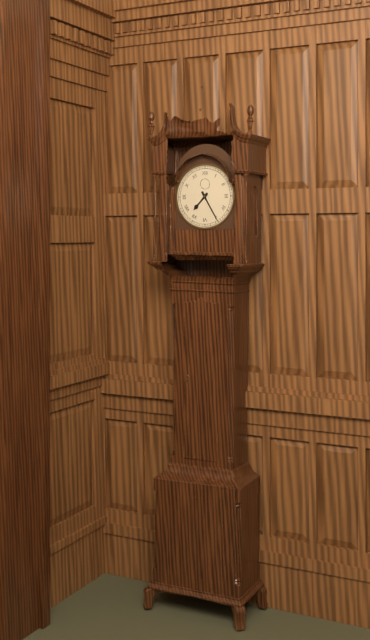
{"hour": 7, "minute": 25}
